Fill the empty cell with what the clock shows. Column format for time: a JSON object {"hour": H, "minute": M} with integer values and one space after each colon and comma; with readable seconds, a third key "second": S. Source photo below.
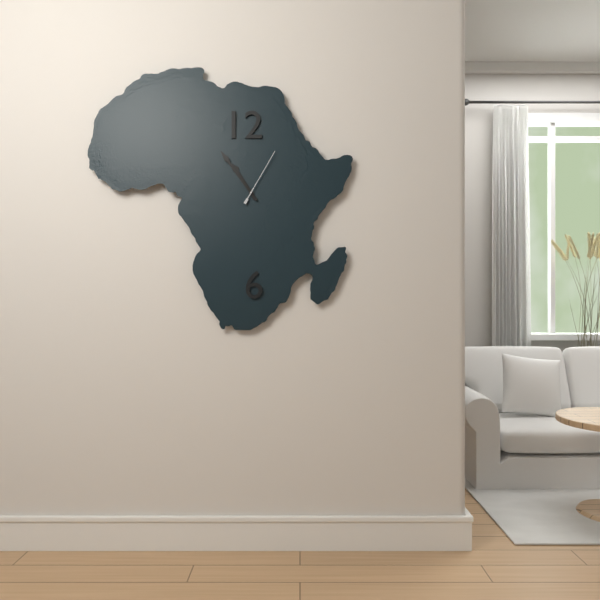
{"hour": 10, "minute": 54, "second": 5}
